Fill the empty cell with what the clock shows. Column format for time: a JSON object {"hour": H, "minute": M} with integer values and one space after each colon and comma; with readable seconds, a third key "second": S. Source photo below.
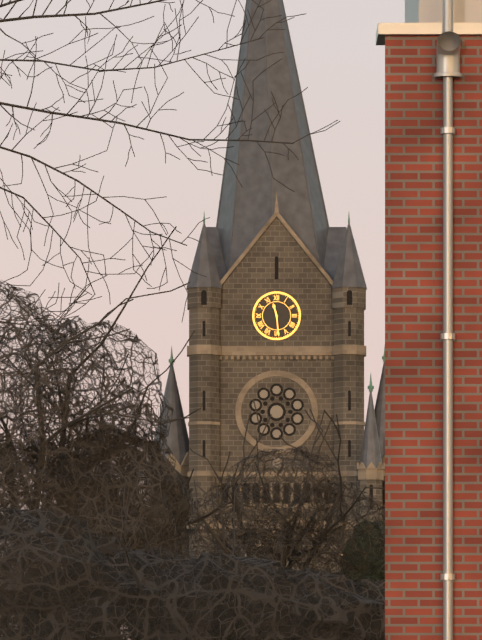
{"hour": 11, "minute": 29}
